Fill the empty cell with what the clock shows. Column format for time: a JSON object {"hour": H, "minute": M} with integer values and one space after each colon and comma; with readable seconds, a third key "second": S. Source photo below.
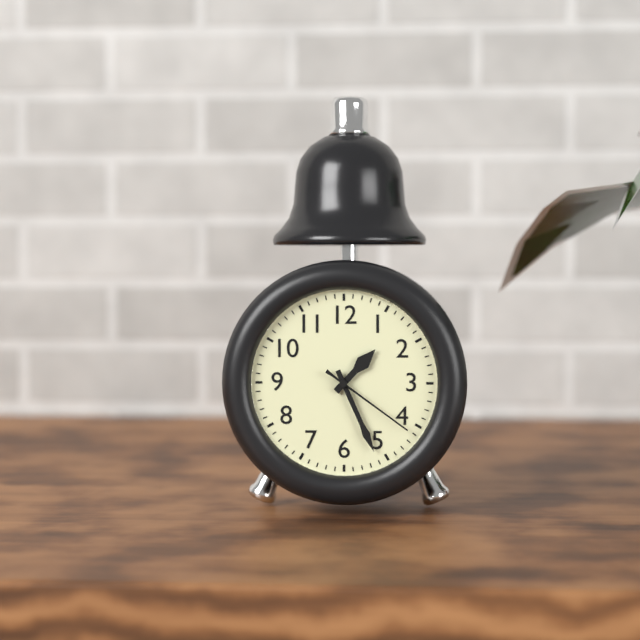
{"hour": 1, "minute": 26, "second": 21}
